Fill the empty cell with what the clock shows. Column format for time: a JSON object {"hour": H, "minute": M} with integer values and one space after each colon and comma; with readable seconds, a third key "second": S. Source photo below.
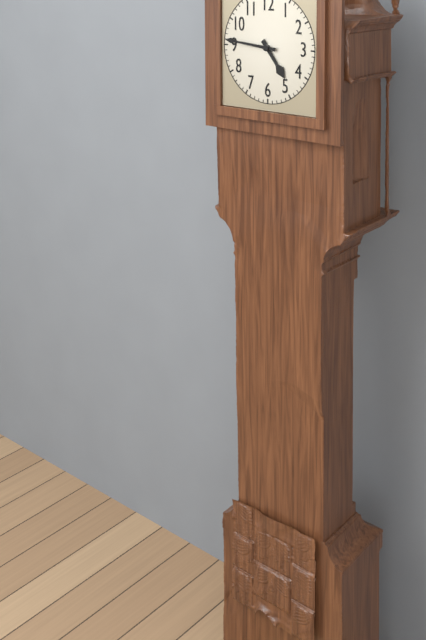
{"hour": 4, "minute": 46}
